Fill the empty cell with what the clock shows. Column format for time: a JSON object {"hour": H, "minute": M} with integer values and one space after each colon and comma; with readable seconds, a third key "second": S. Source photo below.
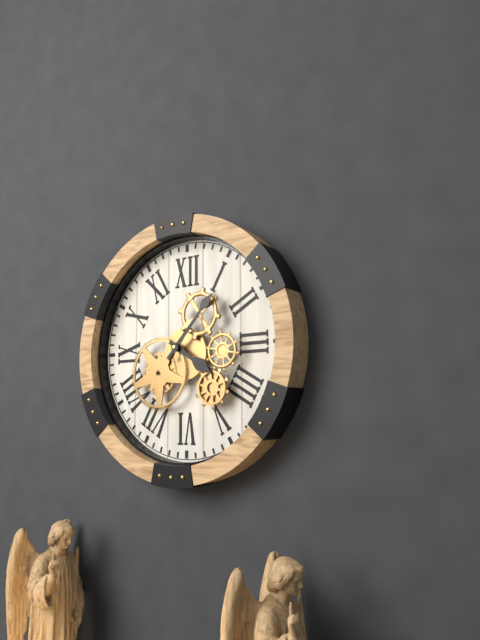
{"hour": 4, "minute": 7}
